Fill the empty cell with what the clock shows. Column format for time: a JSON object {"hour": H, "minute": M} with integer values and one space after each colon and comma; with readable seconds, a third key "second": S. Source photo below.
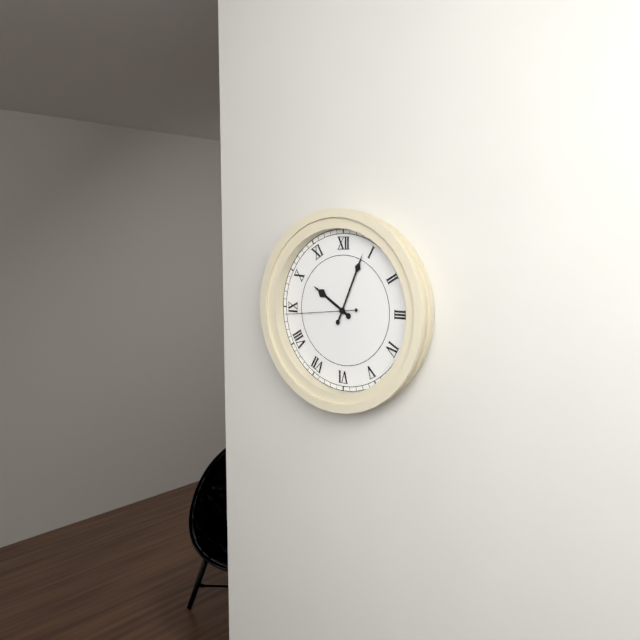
{"hour": 10, "minute": 4, "second": 44}
